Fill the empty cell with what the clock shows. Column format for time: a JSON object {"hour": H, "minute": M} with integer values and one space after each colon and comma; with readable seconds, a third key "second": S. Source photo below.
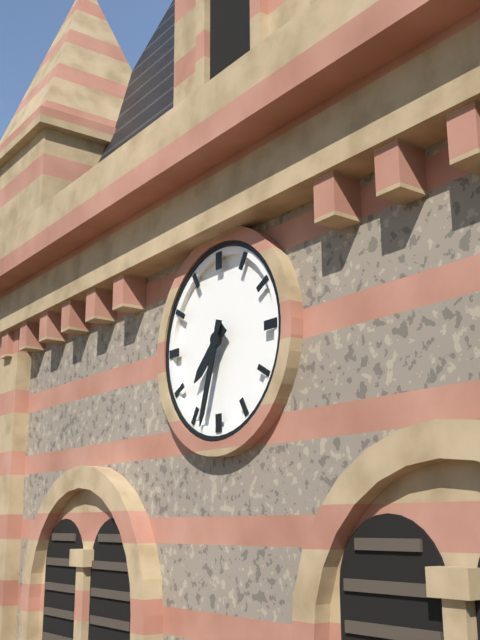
{"hour": 7, "minute": 33}
